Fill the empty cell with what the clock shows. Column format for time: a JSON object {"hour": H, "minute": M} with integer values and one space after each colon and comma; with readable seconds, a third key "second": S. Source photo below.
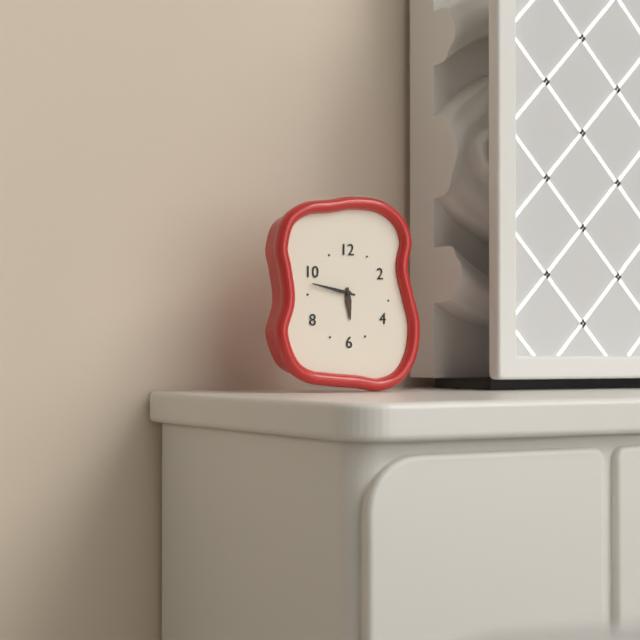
{"hour": 5, "minute": 47}
